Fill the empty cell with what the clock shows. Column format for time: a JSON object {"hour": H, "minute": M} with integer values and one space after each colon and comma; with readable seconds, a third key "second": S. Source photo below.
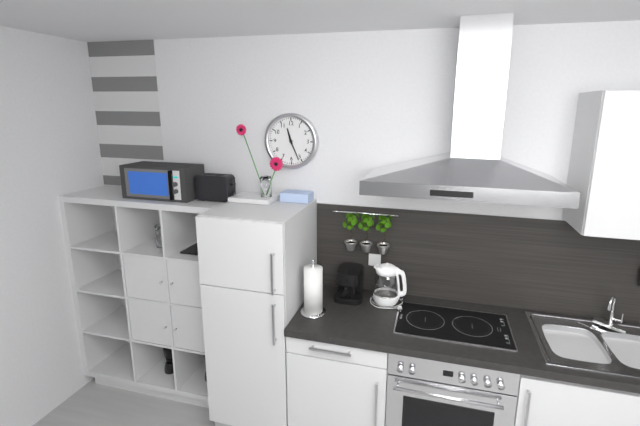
{"hour": 11, "minute": 26}
